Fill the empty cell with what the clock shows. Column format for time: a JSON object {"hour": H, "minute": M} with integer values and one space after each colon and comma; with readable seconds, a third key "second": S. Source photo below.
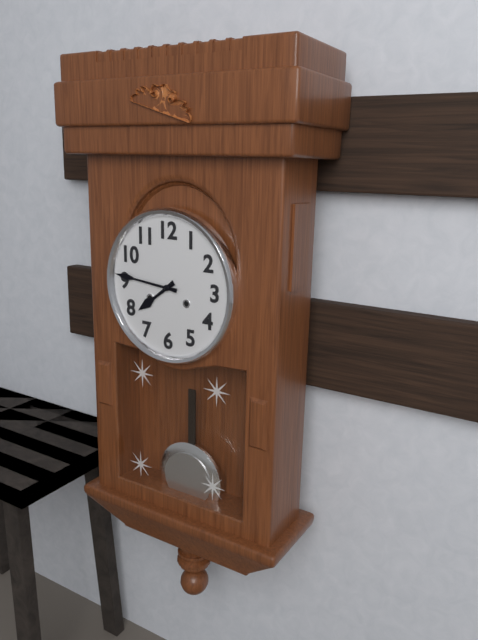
{"hour": 7, "minute": 46}
